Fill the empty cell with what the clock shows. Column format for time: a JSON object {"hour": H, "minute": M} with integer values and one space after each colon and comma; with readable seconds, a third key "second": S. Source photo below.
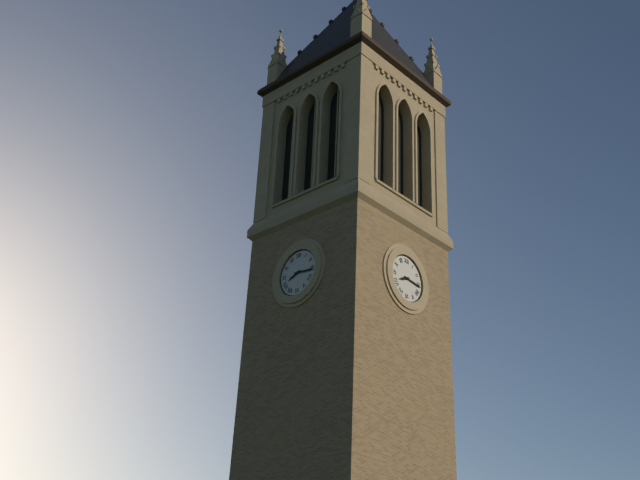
{"hour": 8, "minute": 16}
